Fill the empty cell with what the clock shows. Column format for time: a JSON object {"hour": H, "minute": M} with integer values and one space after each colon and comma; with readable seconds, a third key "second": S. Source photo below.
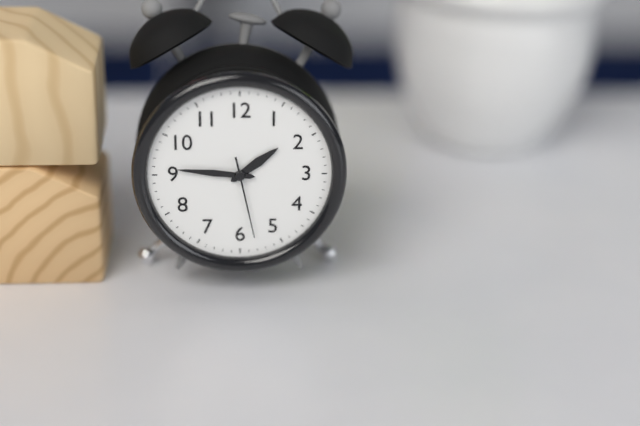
{"hour": 1, "minute": 46, "second": 28}
